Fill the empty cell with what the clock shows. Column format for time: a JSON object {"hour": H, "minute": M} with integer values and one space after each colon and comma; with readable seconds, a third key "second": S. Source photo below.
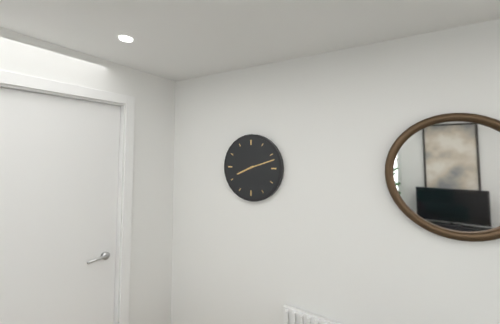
{"hour": 8, "minute": 12}
